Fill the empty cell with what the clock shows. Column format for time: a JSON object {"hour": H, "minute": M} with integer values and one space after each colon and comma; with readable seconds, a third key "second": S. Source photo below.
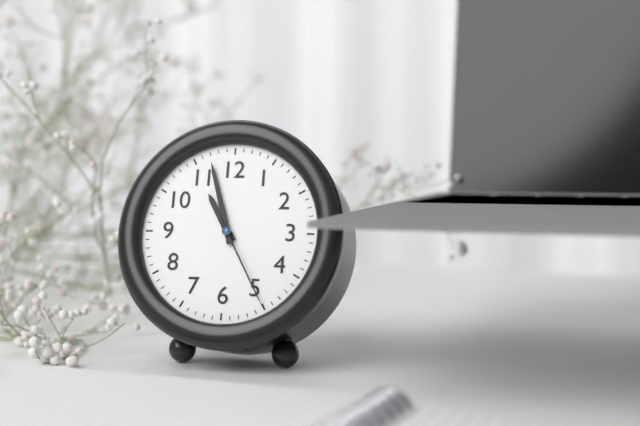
{"hour": 10, "minute": 57, "second": 25}
